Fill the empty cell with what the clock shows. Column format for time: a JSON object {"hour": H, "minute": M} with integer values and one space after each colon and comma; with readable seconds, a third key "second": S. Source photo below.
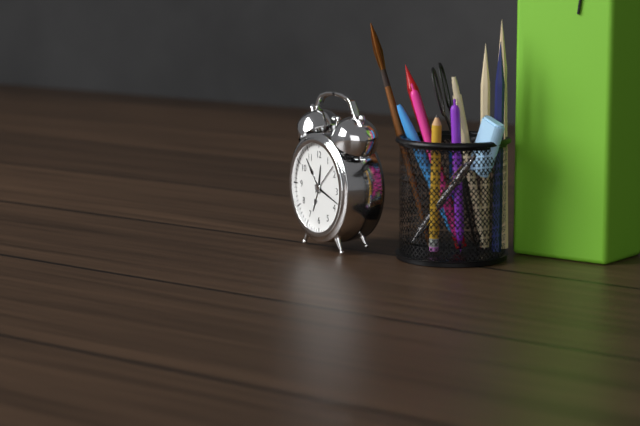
{"hour": 12, "minute": 18}
